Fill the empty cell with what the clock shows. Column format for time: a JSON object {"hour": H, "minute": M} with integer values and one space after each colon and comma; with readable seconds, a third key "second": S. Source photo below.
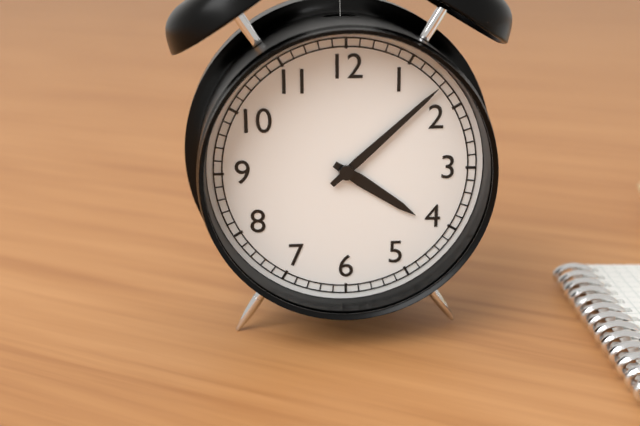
{"hour": 4, "minute": 8}
